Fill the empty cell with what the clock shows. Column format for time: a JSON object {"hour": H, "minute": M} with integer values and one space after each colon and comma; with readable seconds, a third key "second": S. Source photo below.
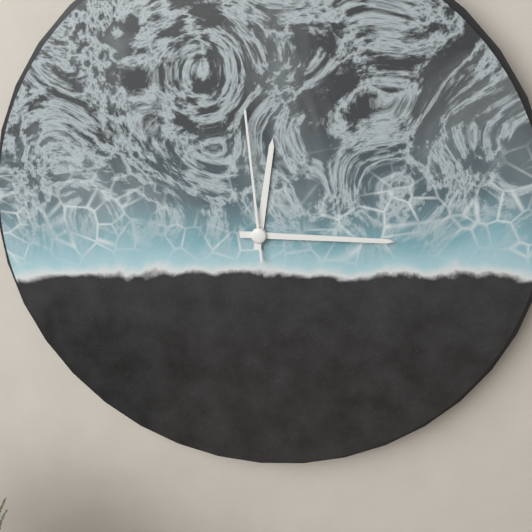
{"hour": 12, "minute": 15, "second": 59}
